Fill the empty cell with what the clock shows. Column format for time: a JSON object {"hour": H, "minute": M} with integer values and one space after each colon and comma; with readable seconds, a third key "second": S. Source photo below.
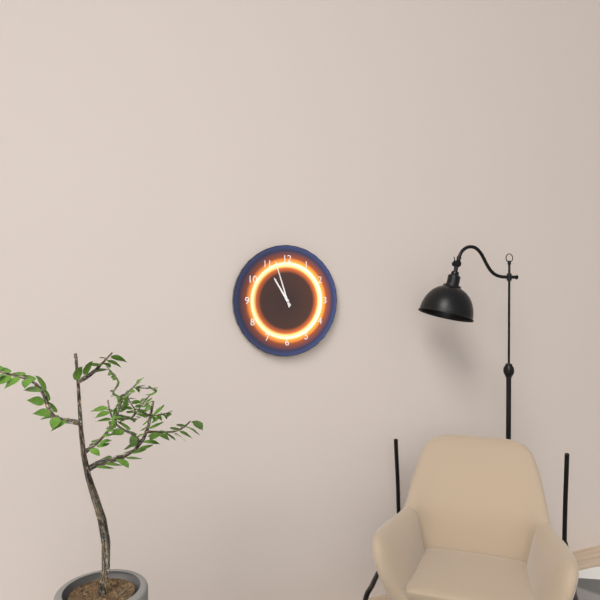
{"hour": 10, "minute": 57}
